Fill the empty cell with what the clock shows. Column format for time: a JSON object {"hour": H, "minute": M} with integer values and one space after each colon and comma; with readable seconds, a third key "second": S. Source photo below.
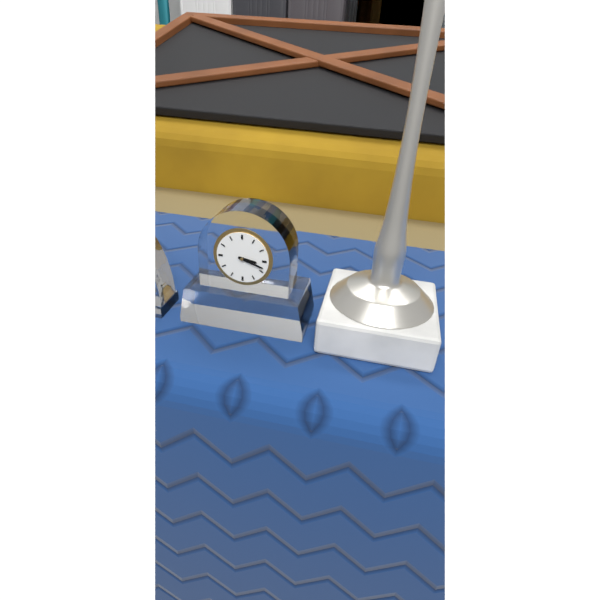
{"hour": 3, "minute": 18}
